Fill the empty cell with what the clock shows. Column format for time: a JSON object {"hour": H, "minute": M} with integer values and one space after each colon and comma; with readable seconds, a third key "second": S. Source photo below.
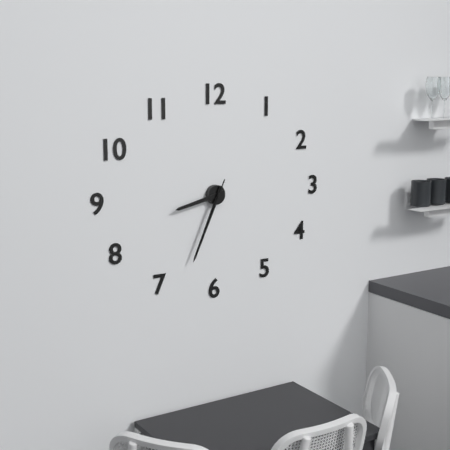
{"hour": 8, "minute": 34, "second": 34}
